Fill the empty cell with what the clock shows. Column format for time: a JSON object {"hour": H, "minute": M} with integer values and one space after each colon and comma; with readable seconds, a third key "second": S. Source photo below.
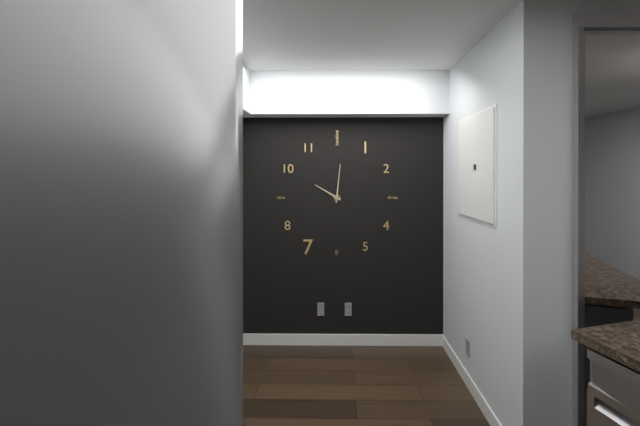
{"hour": 10, "minute": 1}
